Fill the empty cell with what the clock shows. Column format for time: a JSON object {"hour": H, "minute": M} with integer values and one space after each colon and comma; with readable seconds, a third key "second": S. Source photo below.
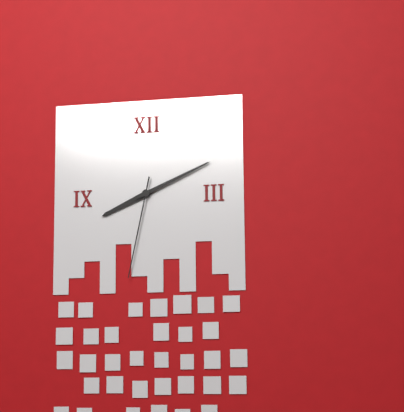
{"hour": 8, "minute": 11, "second": 32}
